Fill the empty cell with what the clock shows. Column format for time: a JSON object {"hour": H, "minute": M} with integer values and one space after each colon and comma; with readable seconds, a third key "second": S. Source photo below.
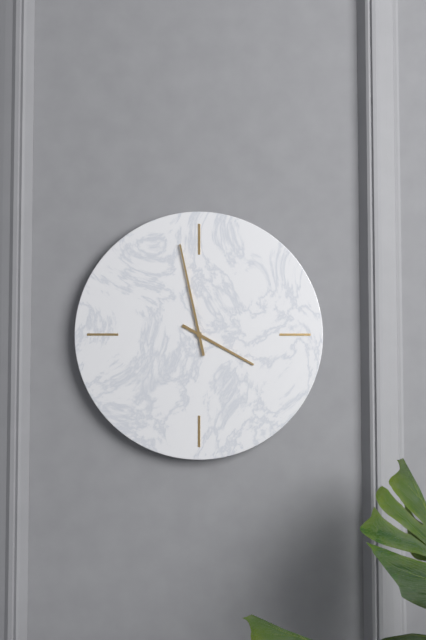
{"hour": 3, "minute": 58}
